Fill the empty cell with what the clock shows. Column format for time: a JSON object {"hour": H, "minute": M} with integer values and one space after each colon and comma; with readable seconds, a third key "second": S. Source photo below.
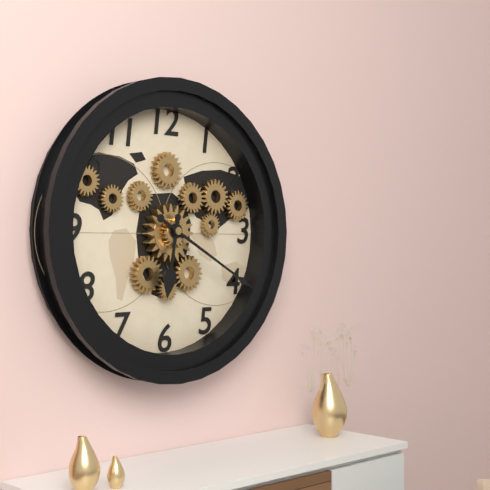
{"hour": 6, "minute": 20}
